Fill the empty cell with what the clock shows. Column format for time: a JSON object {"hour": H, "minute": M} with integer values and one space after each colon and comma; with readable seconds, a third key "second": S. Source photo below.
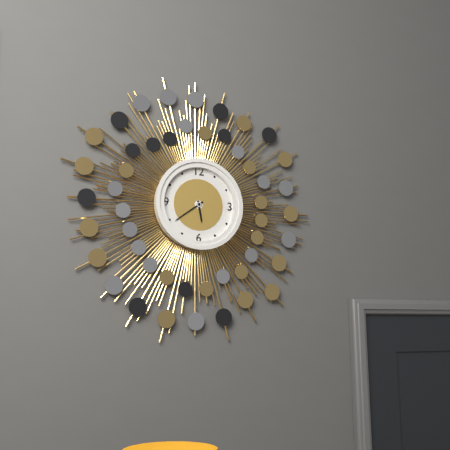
{"hour": 5, "minute": 39}
